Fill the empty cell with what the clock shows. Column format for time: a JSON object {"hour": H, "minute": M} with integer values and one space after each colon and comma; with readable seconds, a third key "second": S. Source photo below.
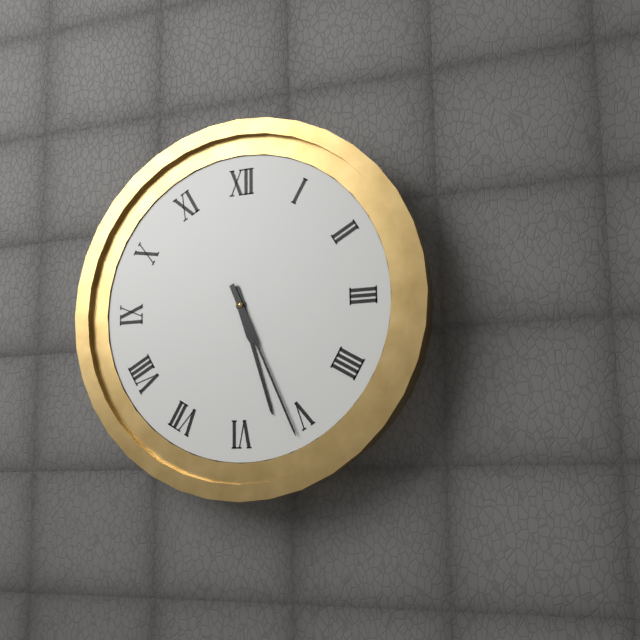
{"hour": 5, "minute": 26}
